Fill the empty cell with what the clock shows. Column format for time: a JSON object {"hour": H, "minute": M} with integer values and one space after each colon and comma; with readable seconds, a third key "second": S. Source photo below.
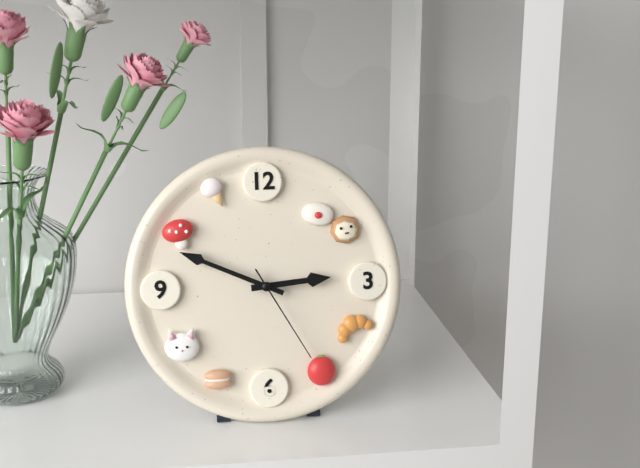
{"hour": 2, "minute": 49, "second": 25}
